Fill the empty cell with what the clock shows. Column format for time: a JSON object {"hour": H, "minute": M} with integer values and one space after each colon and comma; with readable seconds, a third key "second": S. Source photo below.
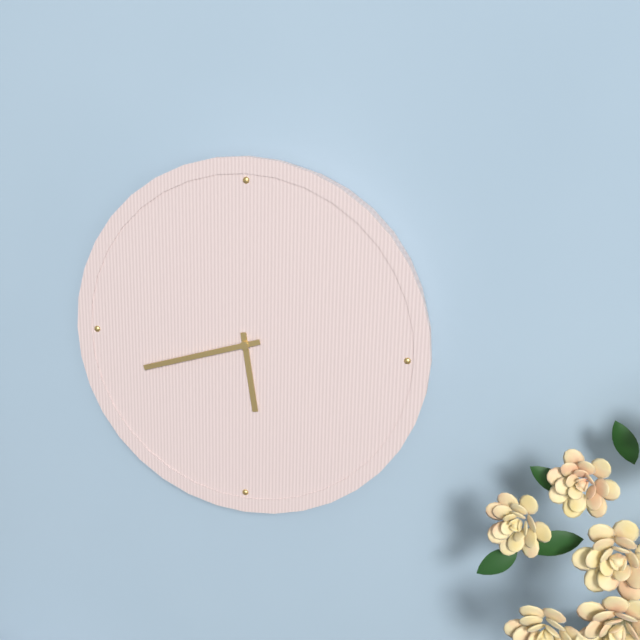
{"hour": 5, "minute": 42}
